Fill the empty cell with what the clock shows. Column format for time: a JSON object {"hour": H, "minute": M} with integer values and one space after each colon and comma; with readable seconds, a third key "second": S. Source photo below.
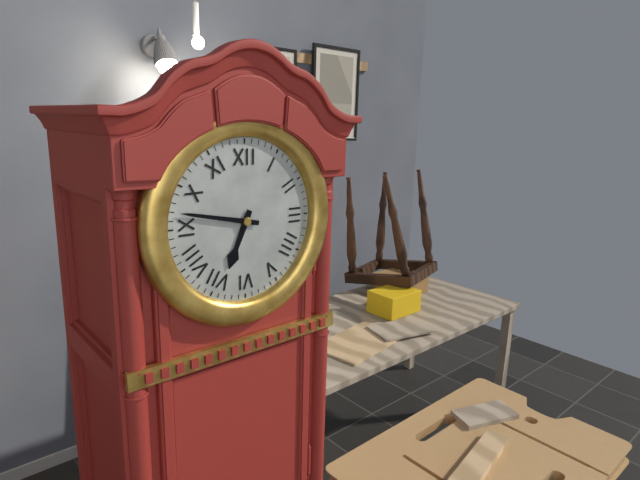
{"hour": 6, "minute": 47}
